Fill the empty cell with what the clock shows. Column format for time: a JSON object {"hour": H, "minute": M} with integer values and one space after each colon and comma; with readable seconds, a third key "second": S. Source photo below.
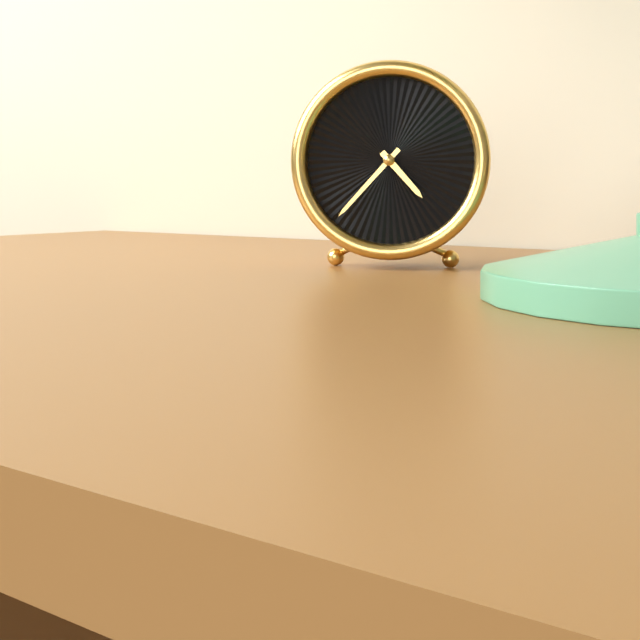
{"hour": 4, "minute": 37}
